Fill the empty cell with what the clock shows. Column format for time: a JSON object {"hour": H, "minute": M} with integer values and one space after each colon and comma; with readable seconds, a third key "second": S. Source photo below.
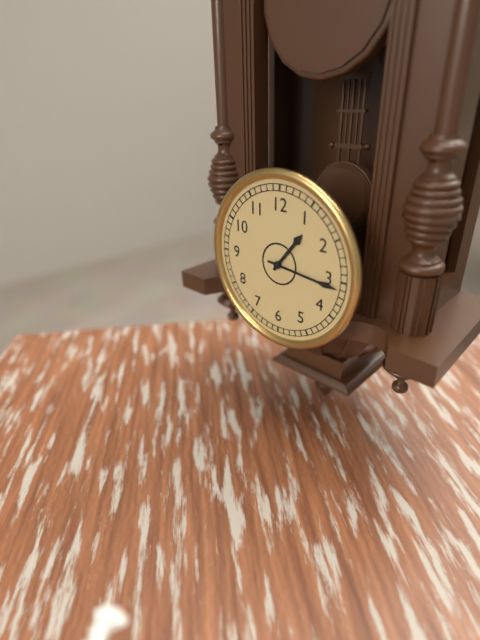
{"hour": 1, "minute": 16}
